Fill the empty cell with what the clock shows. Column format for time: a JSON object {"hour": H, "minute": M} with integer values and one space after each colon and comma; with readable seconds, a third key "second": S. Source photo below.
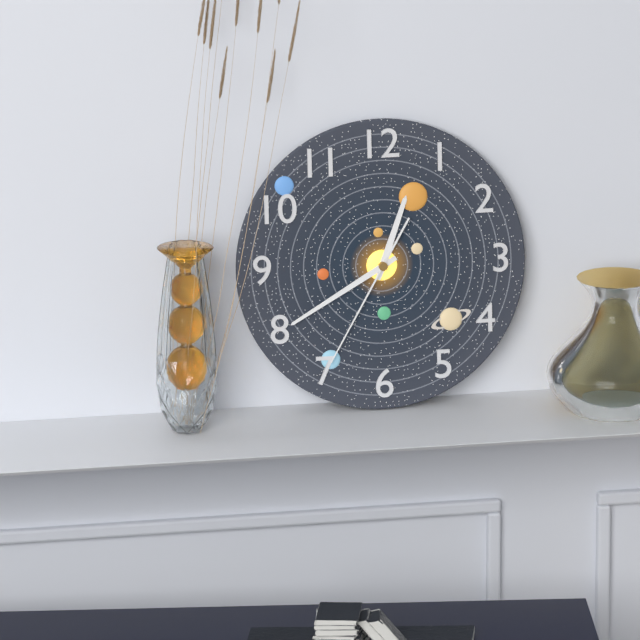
{"hour": 12, "minute": 40, "second": 35}
